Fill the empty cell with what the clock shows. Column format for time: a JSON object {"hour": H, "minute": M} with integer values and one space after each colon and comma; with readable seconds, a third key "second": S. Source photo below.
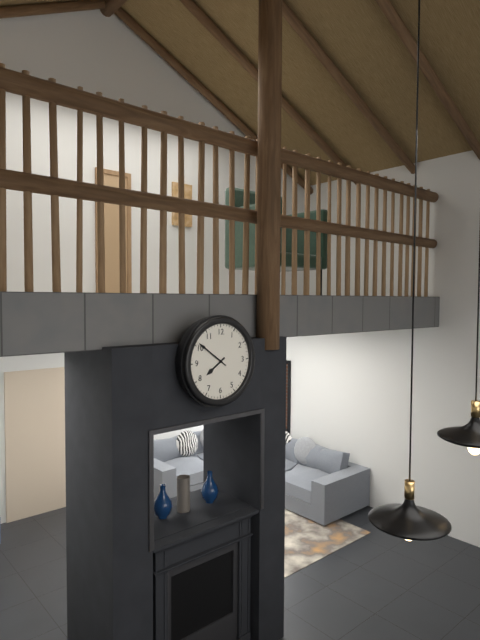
{"hour": 7, "minute": 51}
